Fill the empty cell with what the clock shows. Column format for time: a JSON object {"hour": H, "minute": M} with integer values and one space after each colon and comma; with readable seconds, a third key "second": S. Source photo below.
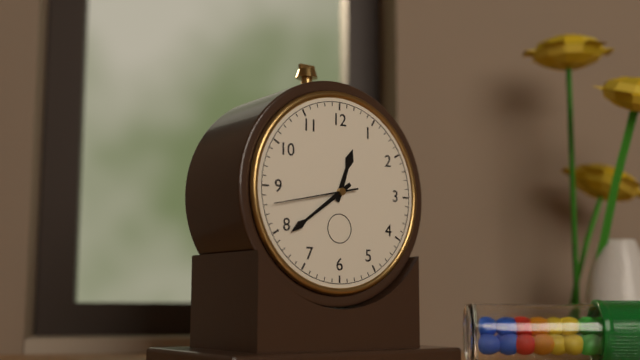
{"hour": 12, "minute": 39, "second": 43}
